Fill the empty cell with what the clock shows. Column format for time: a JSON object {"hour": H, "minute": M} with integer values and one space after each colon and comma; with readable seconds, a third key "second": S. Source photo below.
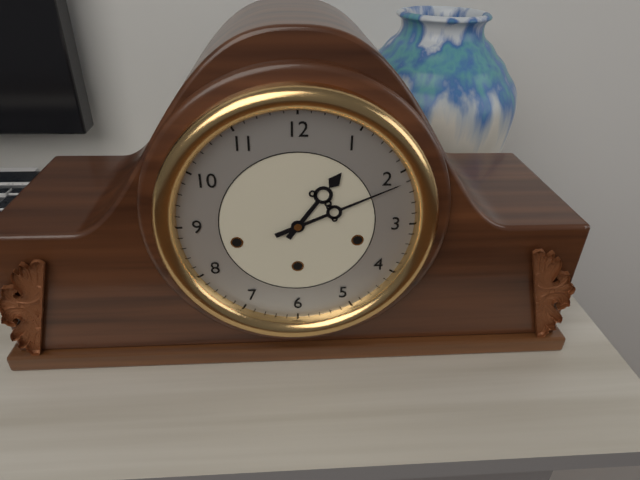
{"hour": 1, "minute": 11}
